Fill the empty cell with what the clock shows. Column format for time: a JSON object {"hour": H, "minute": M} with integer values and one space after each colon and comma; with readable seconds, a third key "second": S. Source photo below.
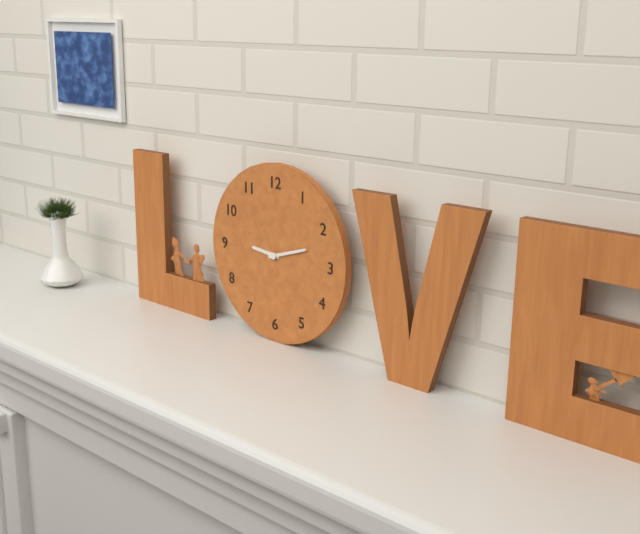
{"hour": 9, "minute": 12}
